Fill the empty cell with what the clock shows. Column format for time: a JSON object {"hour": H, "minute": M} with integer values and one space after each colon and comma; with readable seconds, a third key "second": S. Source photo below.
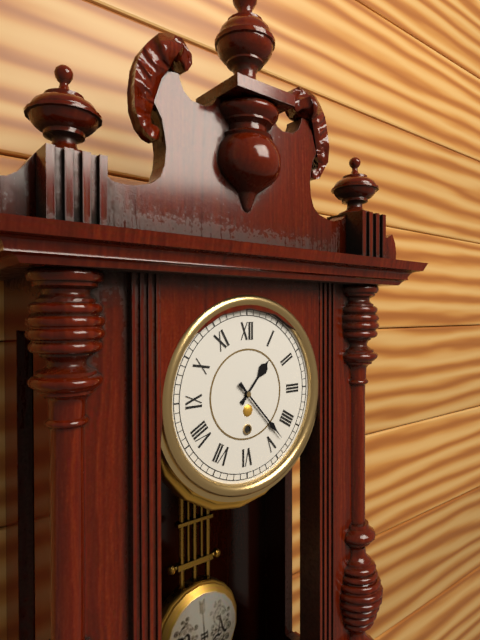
{"hour": 1, "minute": 23}
